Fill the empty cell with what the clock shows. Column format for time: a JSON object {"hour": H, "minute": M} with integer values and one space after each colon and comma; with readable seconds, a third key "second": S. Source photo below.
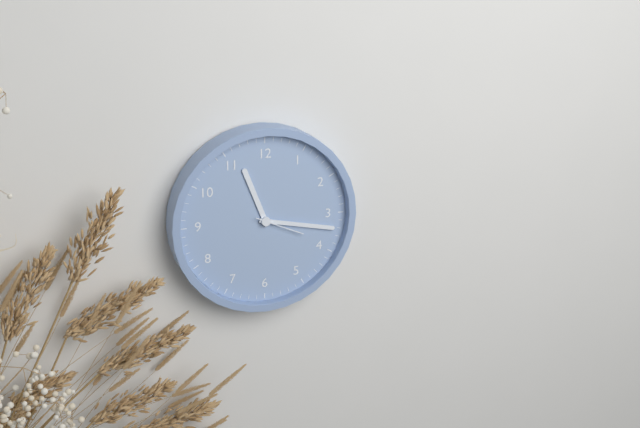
{"hour": 11, "minute": 17}
